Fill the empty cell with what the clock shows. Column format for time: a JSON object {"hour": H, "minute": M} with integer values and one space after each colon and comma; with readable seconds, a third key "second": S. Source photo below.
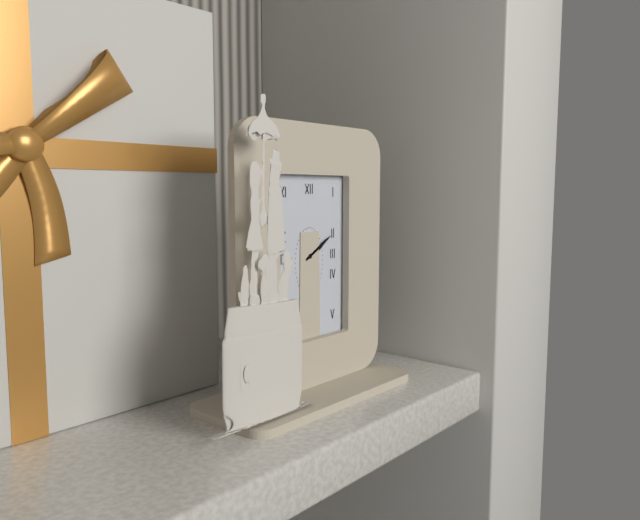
{"hour": 2, "minute": 10}
